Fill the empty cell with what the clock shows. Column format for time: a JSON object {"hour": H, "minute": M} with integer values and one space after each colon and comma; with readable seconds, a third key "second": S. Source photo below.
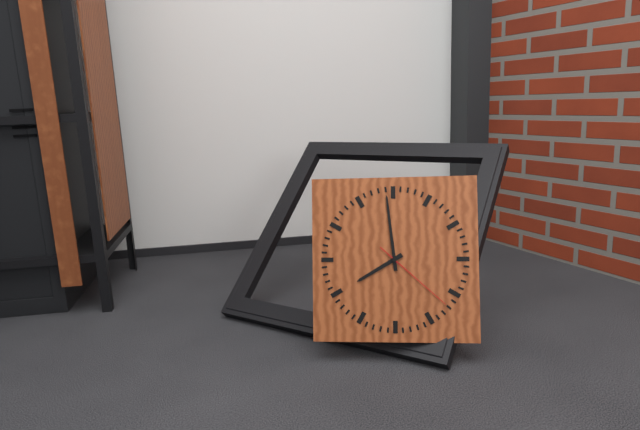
{"hour": 7, "minute": 59, "second": 22}
